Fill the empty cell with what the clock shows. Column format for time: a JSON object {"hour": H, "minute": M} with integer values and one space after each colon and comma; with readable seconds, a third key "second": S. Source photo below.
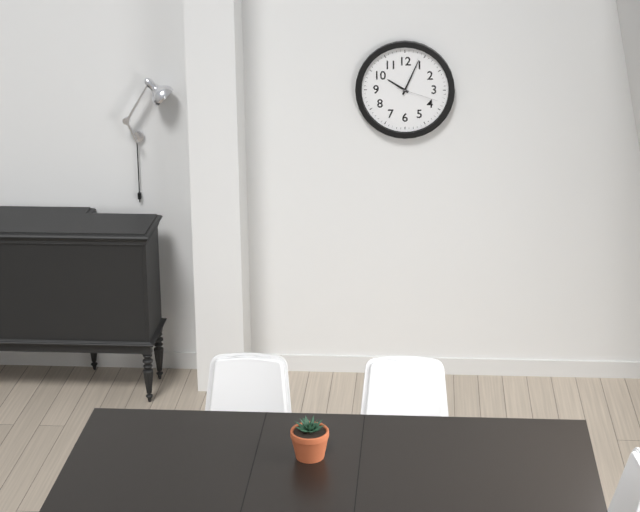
{"hour": 10, "minute": 4}
